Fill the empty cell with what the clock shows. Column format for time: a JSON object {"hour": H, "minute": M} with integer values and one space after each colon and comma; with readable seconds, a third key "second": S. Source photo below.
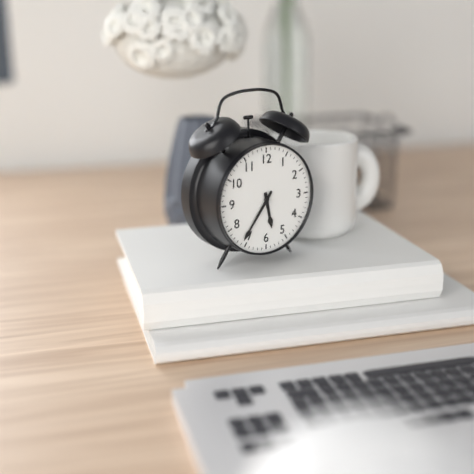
{"hour": 5, "minute": 36}
